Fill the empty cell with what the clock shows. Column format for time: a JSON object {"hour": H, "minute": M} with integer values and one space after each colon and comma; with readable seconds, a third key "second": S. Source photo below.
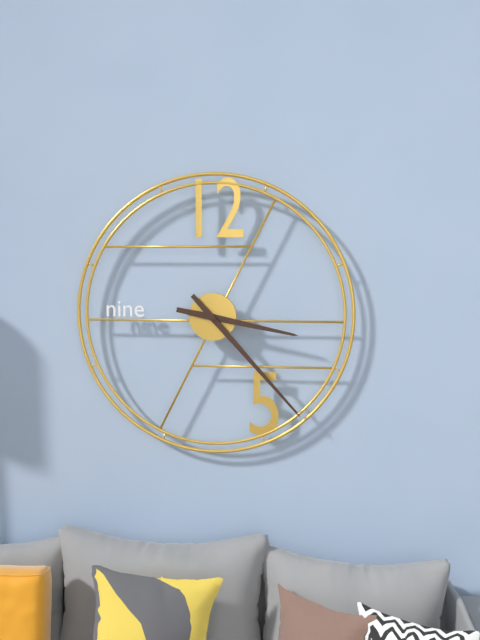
{"hour": 3, "minute": 23}
